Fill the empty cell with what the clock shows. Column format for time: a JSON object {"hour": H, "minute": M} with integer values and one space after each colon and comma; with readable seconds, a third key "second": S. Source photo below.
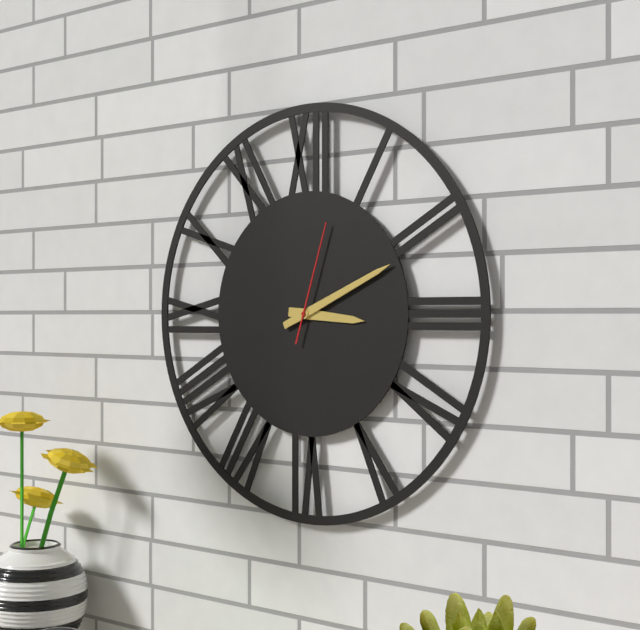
{"hour": 3, "minute": 11, "second": 3}
